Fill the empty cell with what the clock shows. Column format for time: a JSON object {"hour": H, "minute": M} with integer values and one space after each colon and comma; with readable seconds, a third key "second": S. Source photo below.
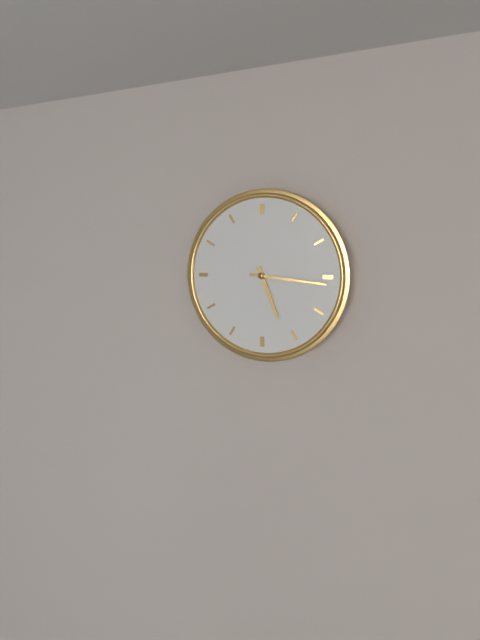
{"hour": 5, "minute": 16}
